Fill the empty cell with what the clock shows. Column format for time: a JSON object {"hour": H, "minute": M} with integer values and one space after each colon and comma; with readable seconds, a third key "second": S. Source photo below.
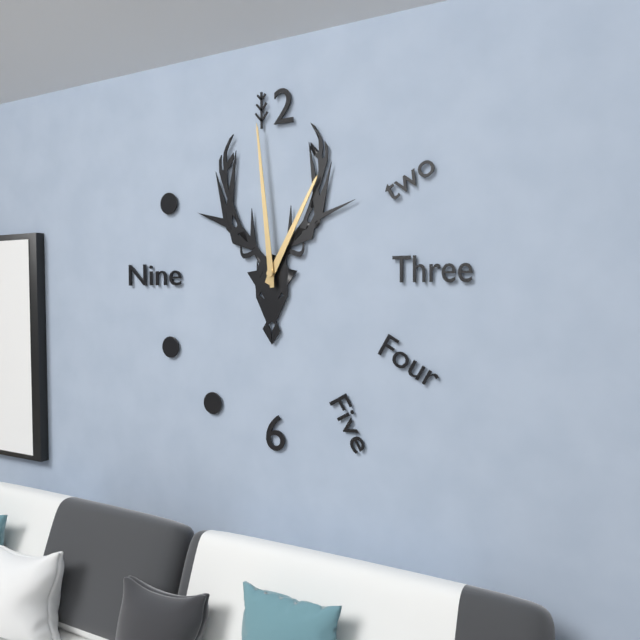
{"hour": 12, "minute": 59}
